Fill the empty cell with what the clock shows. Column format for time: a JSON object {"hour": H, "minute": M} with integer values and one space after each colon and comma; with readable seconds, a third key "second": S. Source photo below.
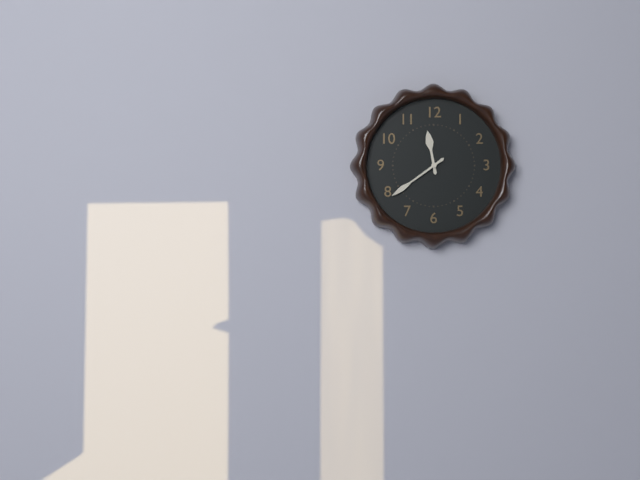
{"hour": 11, "minute": 39}
